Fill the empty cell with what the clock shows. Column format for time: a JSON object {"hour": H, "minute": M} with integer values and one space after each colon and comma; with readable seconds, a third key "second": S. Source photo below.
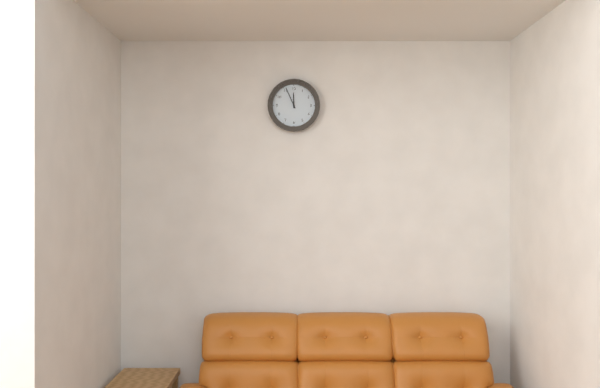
{"hour": 11, "minute": 56}
